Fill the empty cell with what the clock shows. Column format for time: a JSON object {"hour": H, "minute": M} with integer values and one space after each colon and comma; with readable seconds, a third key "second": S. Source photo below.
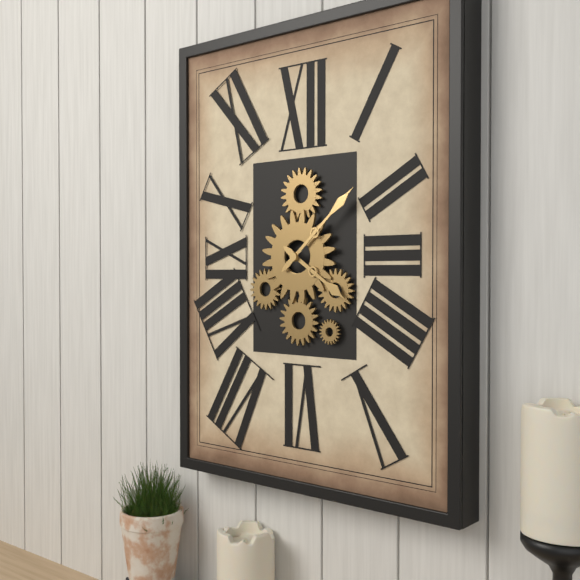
{"hour": 4, "minute": 8}
